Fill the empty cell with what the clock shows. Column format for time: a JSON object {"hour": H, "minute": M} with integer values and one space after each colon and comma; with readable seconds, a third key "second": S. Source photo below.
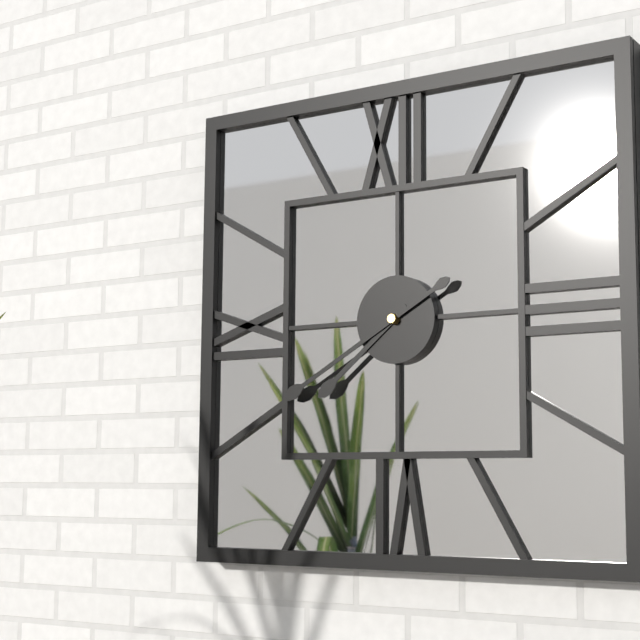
{"hour": 7, "minute": 40}
